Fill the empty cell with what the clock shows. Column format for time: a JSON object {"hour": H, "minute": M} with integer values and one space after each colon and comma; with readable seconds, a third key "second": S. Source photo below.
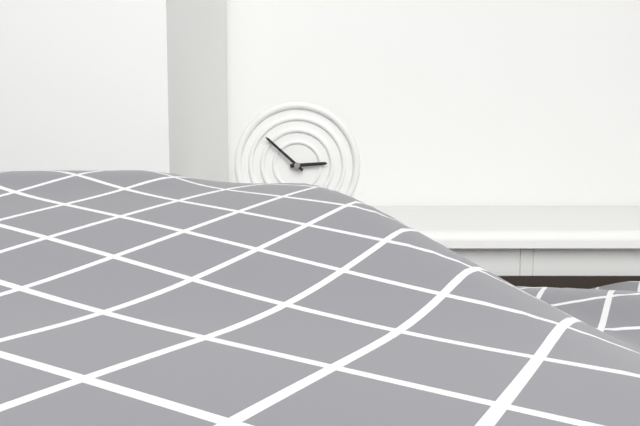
{"hour": 2, "minute": 52}
